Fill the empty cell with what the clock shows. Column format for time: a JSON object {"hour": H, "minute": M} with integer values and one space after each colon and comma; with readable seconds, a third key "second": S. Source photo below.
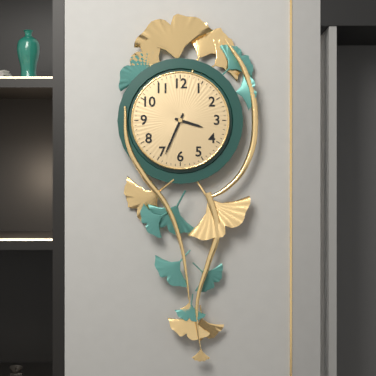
{"hour": 3, "minute": 34}
